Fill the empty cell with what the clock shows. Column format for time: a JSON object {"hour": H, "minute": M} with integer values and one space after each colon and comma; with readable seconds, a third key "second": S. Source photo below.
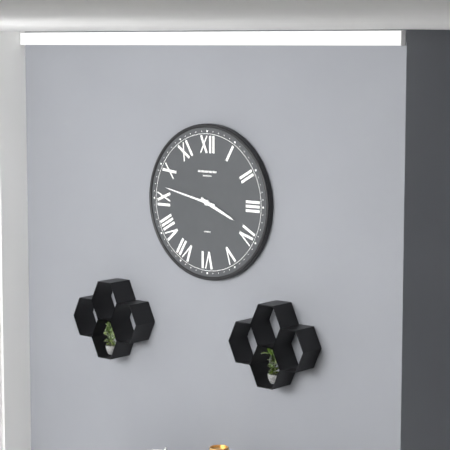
{"hour": 3, "minute": 47}
